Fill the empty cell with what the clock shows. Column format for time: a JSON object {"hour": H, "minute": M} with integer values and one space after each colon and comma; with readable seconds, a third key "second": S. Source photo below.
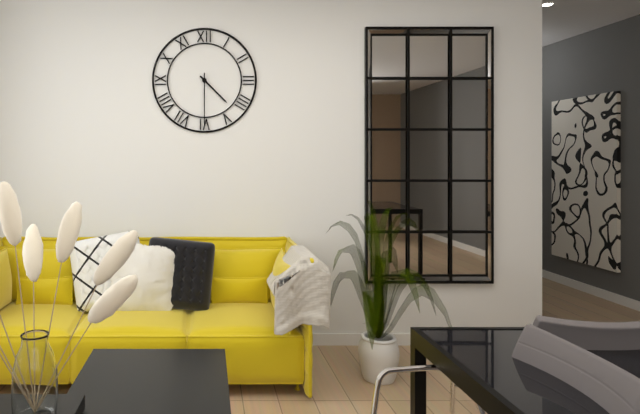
{"hour": 4, "minute": 30}
